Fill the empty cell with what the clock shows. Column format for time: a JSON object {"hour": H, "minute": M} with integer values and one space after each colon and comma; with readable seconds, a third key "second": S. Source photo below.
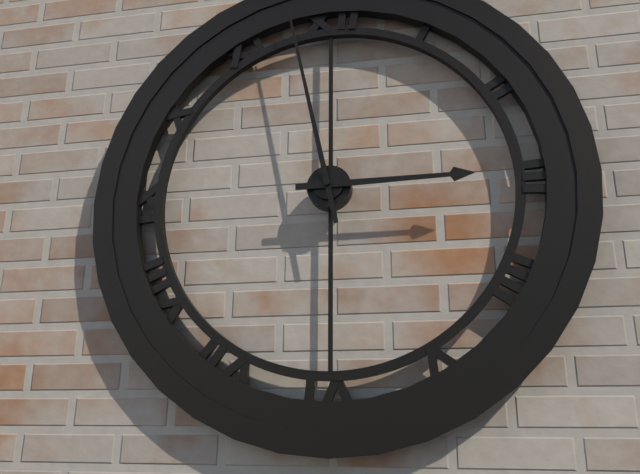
{"hour": 2, "minute": 58}
